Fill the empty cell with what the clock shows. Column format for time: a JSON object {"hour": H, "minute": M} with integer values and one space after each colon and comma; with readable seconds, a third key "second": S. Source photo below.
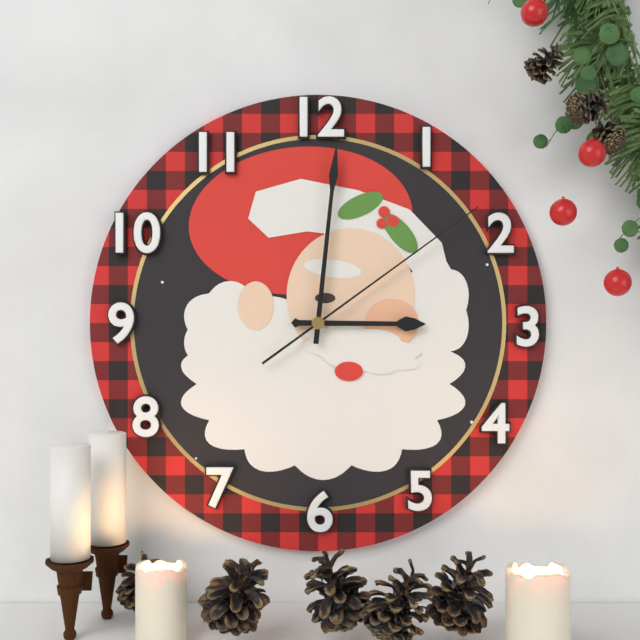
{"hour": 3, "minute": 1, "second": 9}
